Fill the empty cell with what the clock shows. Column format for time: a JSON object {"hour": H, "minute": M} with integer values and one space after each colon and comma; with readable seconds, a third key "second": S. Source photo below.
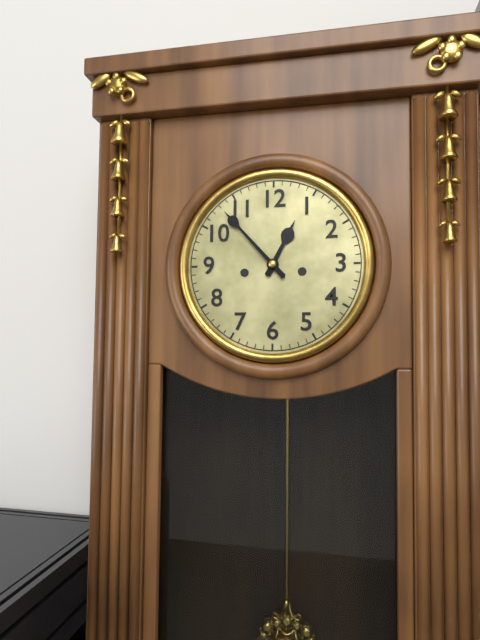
{"hour": 12, "minute": 53}
